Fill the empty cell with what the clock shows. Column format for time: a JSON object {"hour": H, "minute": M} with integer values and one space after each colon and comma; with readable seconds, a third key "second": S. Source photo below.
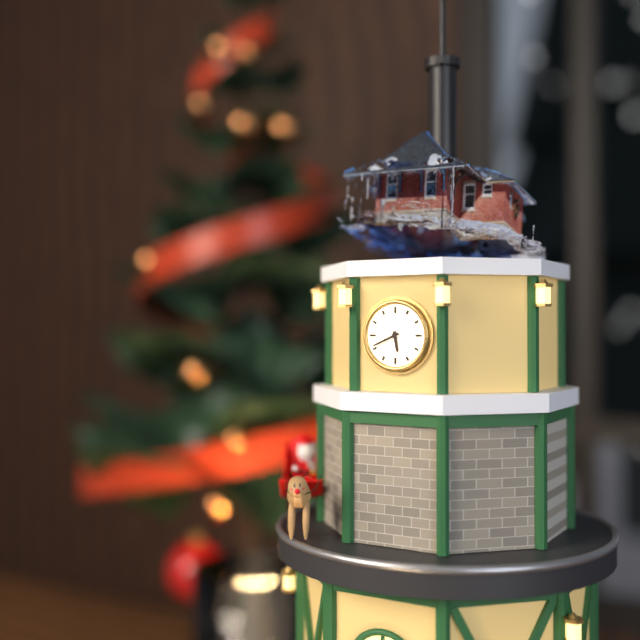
{"hour": 5, "minute": 41}
